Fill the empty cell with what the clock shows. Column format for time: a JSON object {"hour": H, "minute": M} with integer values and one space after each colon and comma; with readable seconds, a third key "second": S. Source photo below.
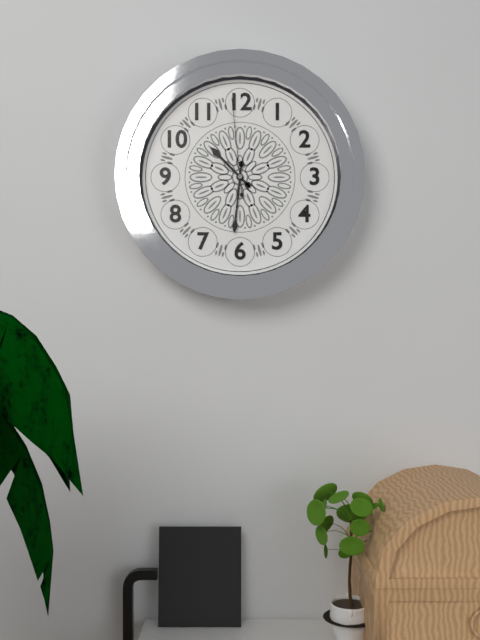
{"hour": 10, "minute": 31, "second": 59}
